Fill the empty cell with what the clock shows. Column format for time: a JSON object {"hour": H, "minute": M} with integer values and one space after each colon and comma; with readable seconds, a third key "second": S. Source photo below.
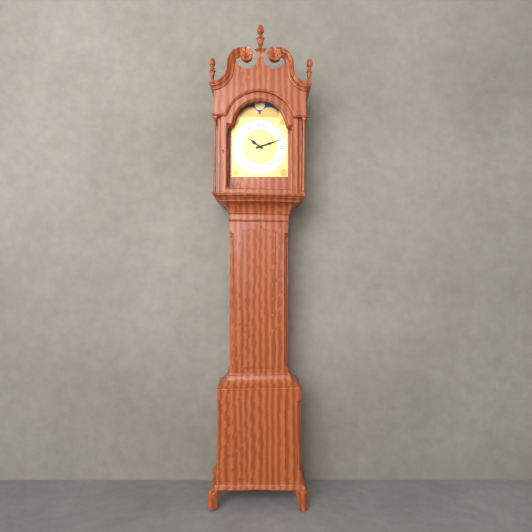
{"hour": 10, "minute": 12}
